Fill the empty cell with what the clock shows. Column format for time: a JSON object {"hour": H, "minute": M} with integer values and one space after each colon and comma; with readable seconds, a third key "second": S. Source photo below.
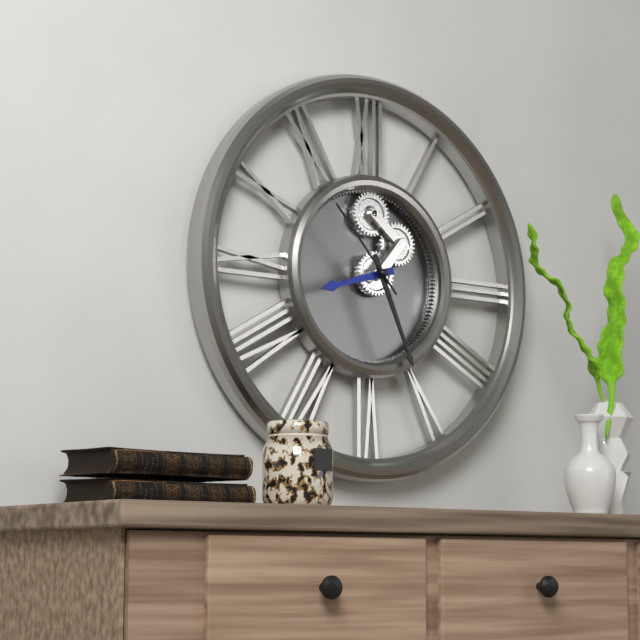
{"hour": 8, "minute": 26, "second": 53}
